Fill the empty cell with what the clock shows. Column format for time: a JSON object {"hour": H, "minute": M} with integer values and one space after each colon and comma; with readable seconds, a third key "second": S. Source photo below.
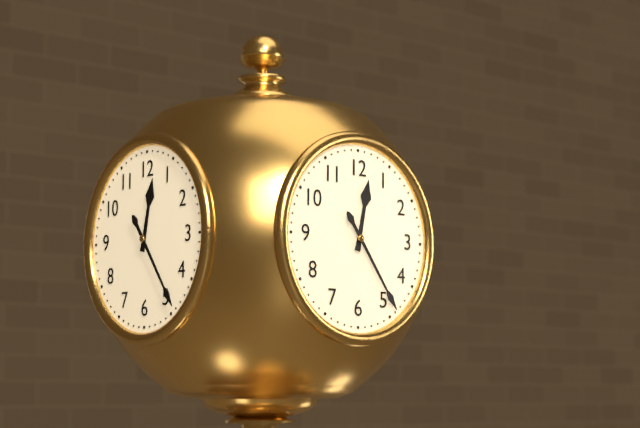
{"hour": 12, "minute": 24}
